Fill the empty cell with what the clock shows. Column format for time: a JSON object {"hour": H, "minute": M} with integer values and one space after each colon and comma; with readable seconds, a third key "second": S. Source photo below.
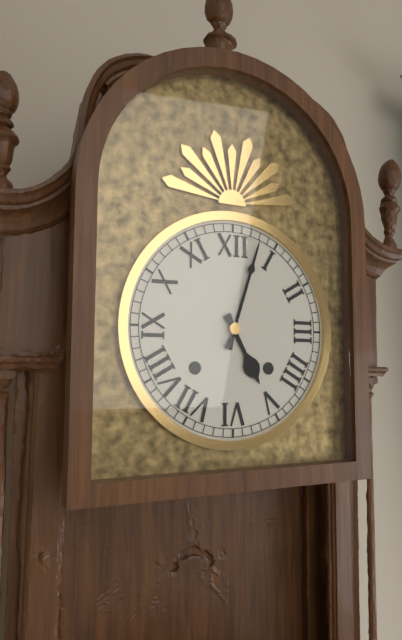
{"hour": 5, "minute": 3}
